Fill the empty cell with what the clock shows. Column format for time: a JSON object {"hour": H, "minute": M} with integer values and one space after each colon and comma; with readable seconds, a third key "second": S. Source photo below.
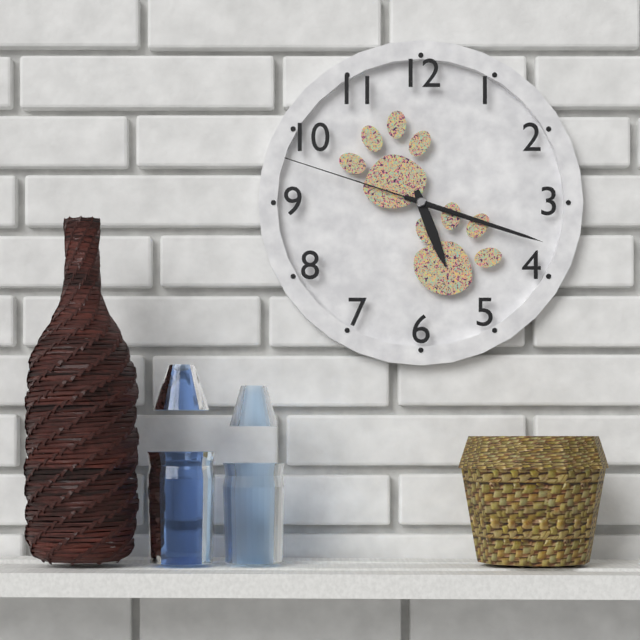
{"hour": 5, "minute": 18, "second": 48}
